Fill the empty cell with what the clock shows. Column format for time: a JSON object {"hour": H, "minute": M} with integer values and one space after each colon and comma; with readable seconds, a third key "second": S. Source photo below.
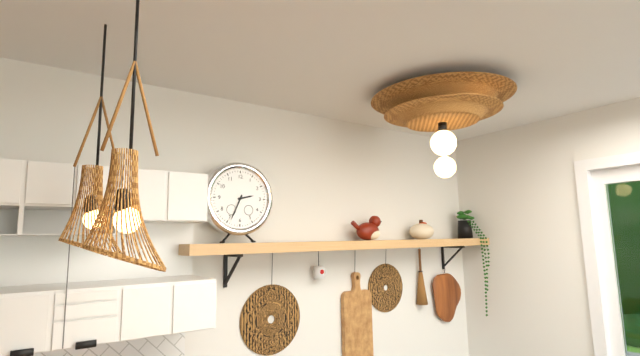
{"hour": 2, "minute": 34}
